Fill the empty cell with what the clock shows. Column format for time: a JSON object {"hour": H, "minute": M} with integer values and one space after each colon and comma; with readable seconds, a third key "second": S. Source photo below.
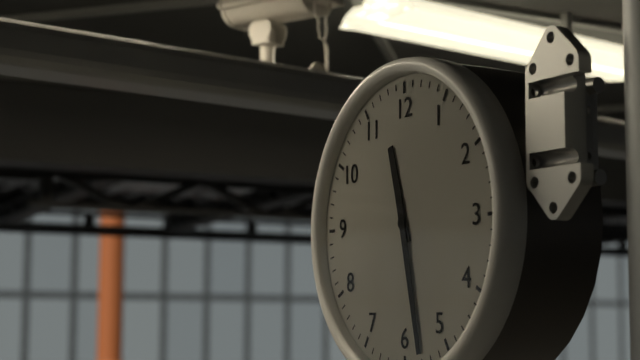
{"hour": 11, "minute": 28}
